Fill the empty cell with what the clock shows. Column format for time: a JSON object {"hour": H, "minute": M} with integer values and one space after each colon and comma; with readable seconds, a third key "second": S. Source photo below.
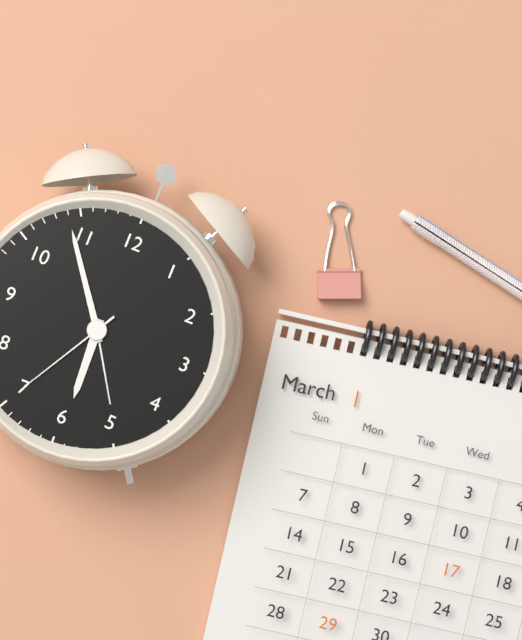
{"hour": 5, "minute": 54, "second": 35}
